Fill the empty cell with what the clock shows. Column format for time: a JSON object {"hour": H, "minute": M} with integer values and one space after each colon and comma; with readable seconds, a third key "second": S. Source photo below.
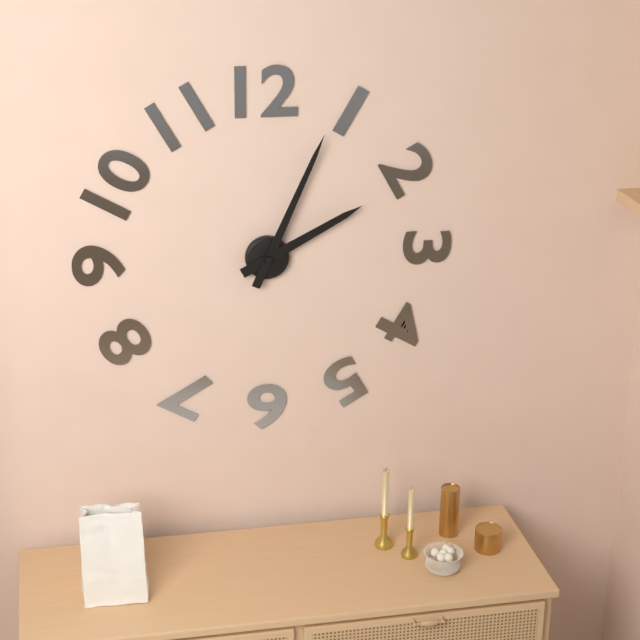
{"hour": 2, "minute": 4}
